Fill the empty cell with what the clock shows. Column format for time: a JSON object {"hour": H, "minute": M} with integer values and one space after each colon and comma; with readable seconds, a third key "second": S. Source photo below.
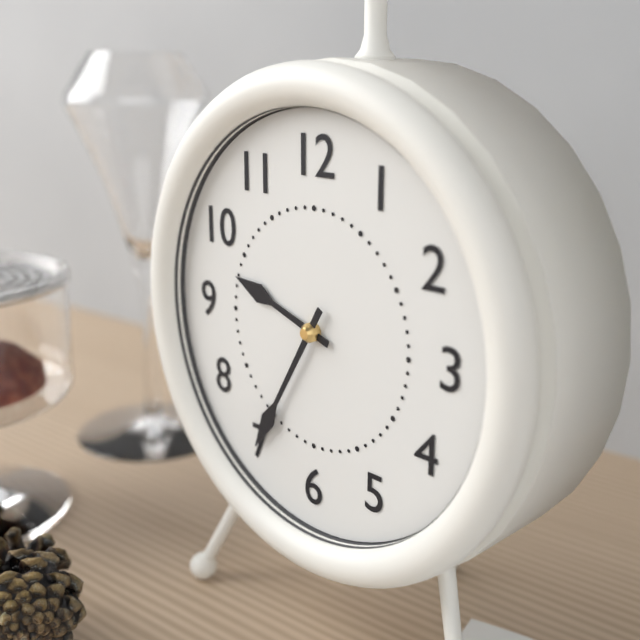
{"hour": 9, "minute": 35}
